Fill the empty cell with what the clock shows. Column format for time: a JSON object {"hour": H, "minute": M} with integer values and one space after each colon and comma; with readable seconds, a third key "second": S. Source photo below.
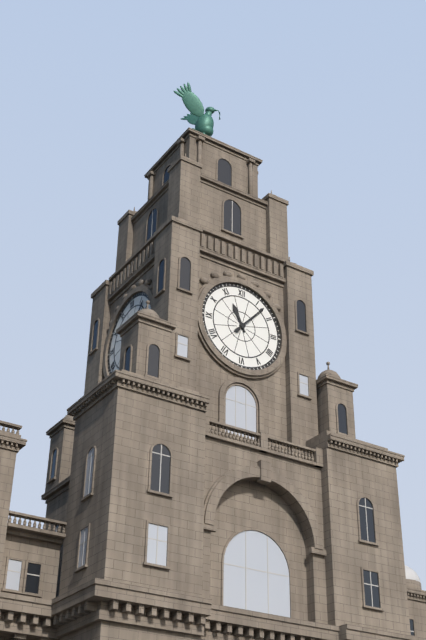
{"hour": 11, "minute": 7}
